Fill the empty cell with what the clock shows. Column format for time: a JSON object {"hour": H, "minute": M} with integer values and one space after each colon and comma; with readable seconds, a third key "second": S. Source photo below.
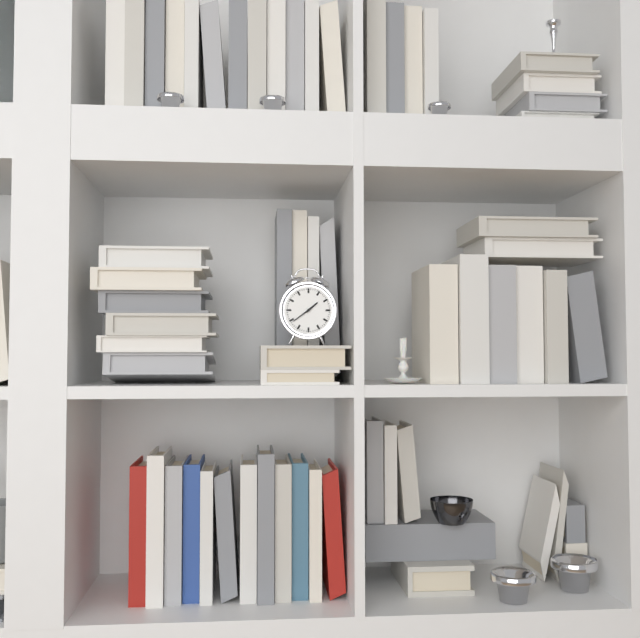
{"hour": 1, "minute": 39}
